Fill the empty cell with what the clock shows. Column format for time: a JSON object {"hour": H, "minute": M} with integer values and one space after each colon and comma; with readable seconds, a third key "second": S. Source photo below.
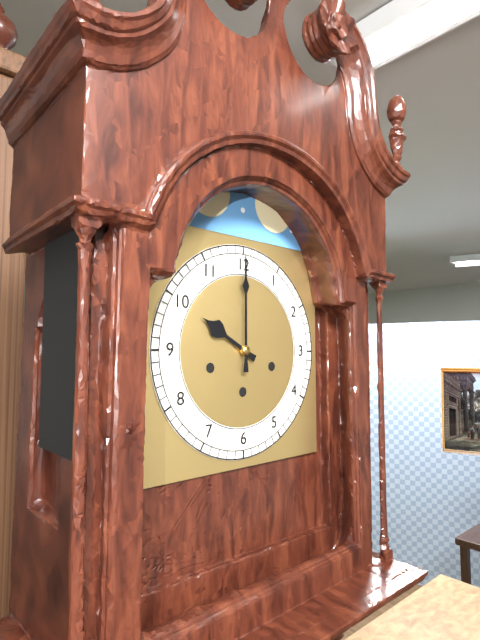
{"hour": 10, "minute": 0}
